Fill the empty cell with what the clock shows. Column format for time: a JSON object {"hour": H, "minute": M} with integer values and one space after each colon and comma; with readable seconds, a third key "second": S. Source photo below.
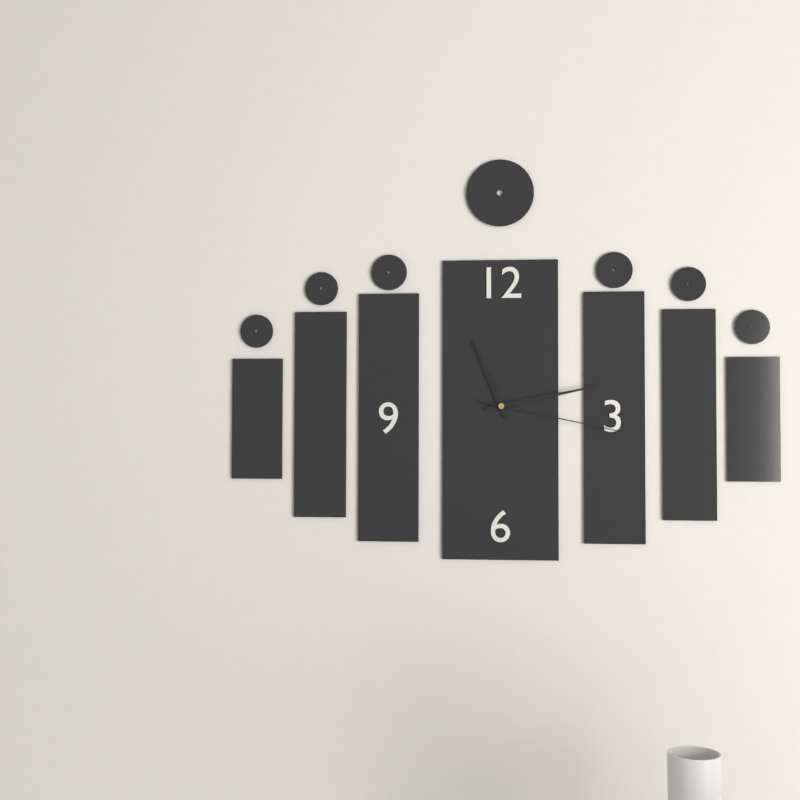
{"hour": 11, "minute": 13, "second": 17}
